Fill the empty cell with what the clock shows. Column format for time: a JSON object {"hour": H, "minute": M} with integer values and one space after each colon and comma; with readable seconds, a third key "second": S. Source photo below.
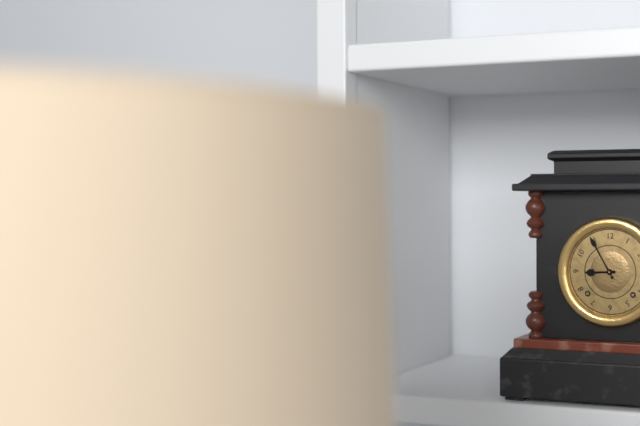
{"hour": 8, "minute": 55}
